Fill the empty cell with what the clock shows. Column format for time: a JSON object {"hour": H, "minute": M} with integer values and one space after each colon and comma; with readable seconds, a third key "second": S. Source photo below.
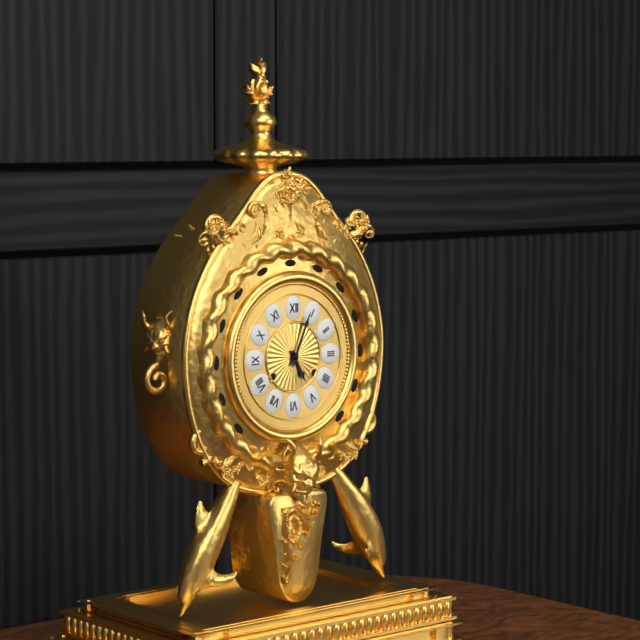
{"hour": 5, "minute": 4}
